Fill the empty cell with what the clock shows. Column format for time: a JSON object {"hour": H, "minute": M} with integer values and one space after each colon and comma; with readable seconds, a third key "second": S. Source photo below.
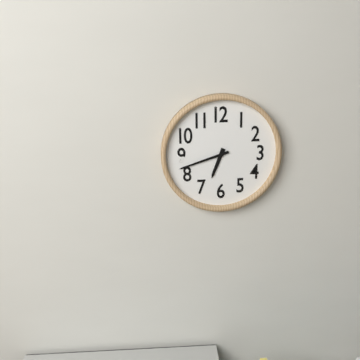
{"hour": 6, "minute": 42}
